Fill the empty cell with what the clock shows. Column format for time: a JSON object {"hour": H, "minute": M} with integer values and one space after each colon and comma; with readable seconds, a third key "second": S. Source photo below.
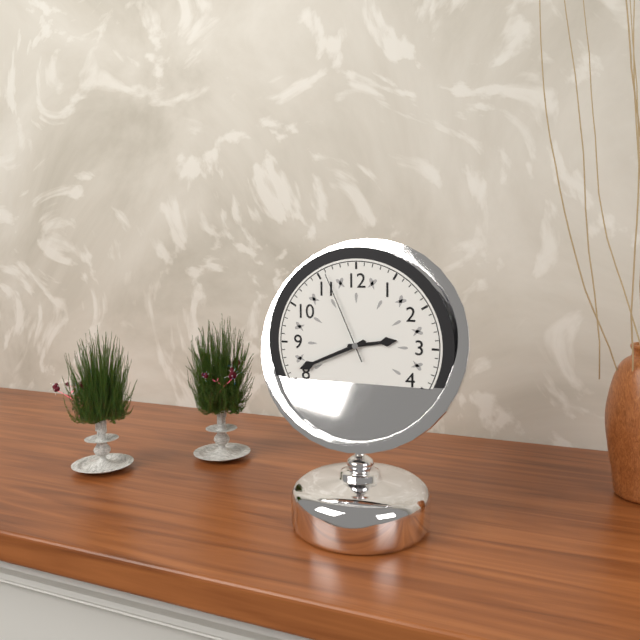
{"hour": 2, "minute": 41, "second": 56}
